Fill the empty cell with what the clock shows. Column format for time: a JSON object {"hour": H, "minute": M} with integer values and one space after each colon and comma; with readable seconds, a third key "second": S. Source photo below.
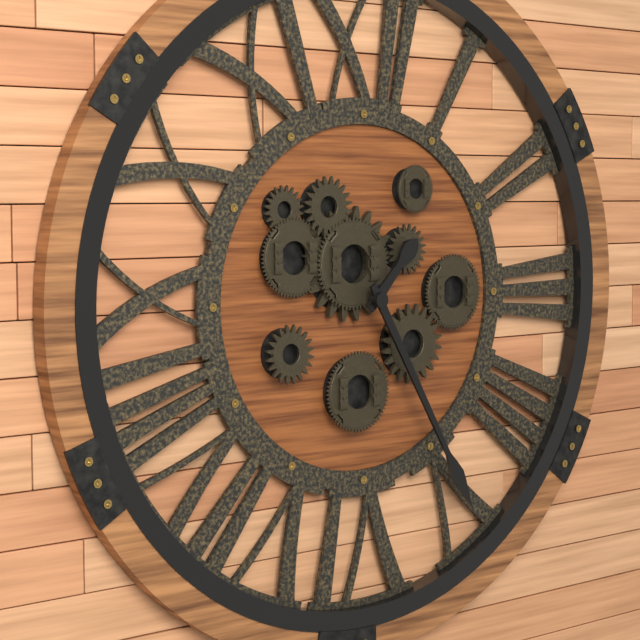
{"hour": 1, "minute": 25}
